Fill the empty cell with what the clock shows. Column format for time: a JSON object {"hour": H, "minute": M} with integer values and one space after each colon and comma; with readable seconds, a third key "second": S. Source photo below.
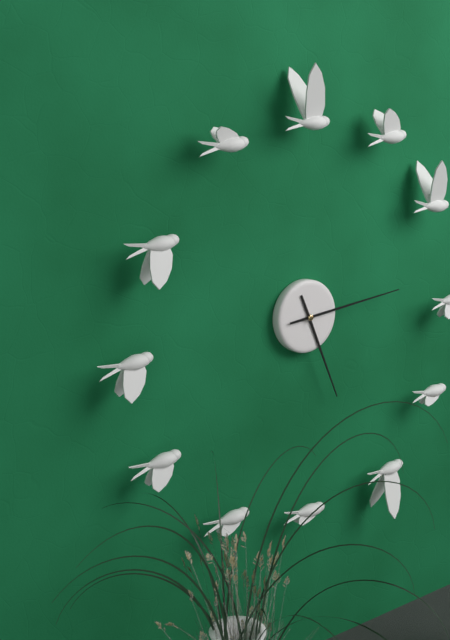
{"hour": 5, "minute": 14}
